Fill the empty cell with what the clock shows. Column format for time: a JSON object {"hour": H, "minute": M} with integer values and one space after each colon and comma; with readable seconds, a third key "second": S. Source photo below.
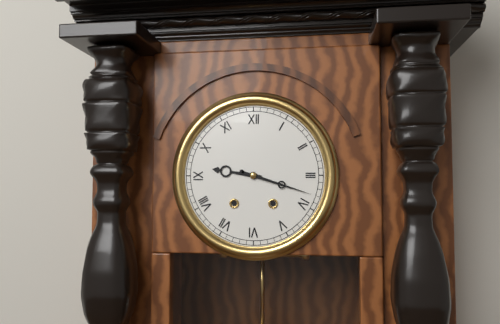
{"hour": 9, "minute": 18}
